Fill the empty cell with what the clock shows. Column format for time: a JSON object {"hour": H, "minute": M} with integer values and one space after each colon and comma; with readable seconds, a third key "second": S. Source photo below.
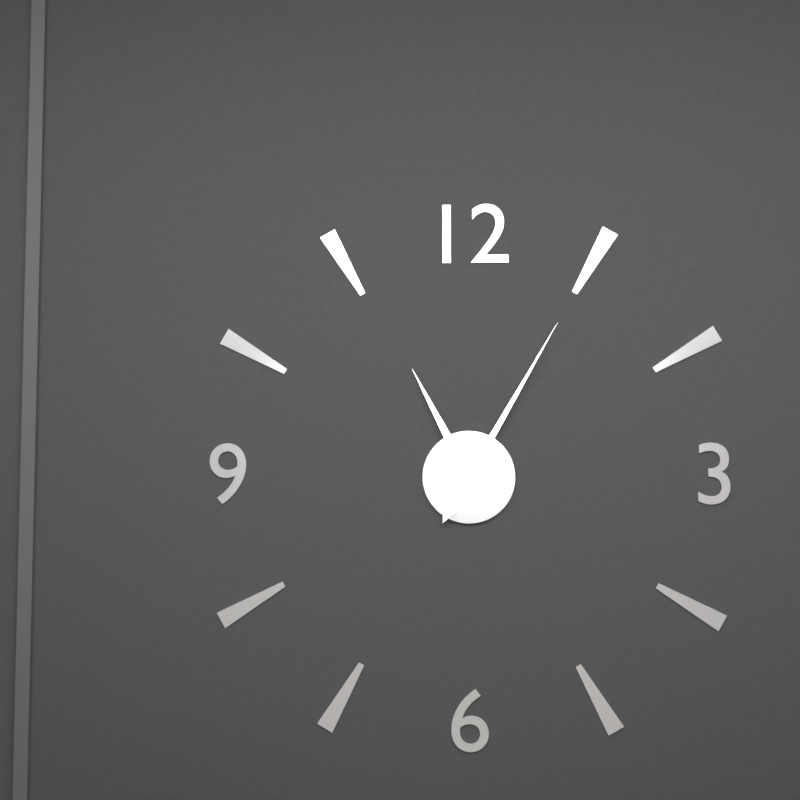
{"hour": 11, "minute": 5}
